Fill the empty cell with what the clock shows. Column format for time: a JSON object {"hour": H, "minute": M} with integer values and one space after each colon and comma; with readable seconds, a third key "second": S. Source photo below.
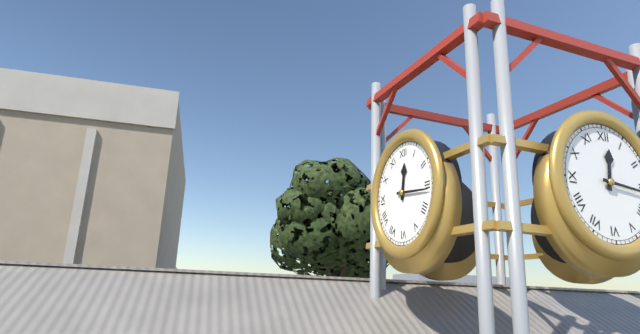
{"hour": 12, "minute": 16}
